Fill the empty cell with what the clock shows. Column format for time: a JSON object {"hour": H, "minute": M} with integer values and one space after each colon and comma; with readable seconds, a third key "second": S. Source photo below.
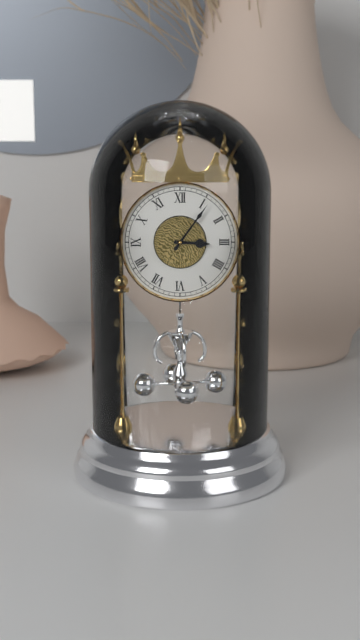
{"hour": 3, "minute": 6}
